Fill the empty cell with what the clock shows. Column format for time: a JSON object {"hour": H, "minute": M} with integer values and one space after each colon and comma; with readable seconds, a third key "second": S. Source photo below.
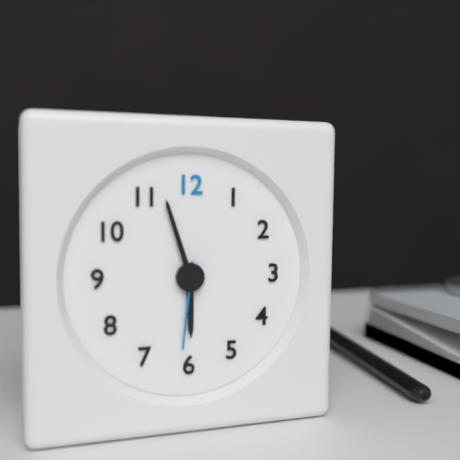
{"hour": 5, "minute": 57, "second": 31}
